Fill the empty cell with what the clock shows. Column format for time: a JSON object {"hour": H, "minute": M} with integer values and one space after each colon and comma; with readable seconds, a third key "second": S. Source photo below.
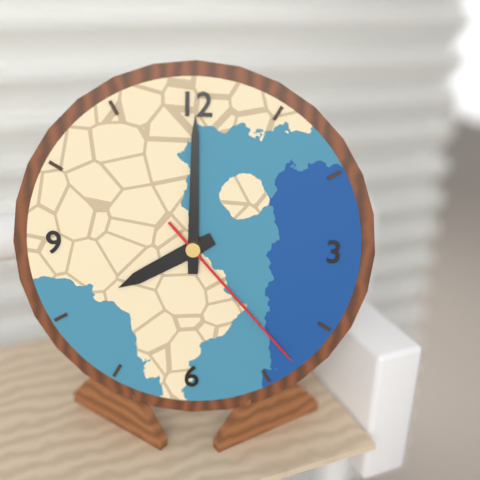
{"hour": 8, "minute": 0, "second": 23}
